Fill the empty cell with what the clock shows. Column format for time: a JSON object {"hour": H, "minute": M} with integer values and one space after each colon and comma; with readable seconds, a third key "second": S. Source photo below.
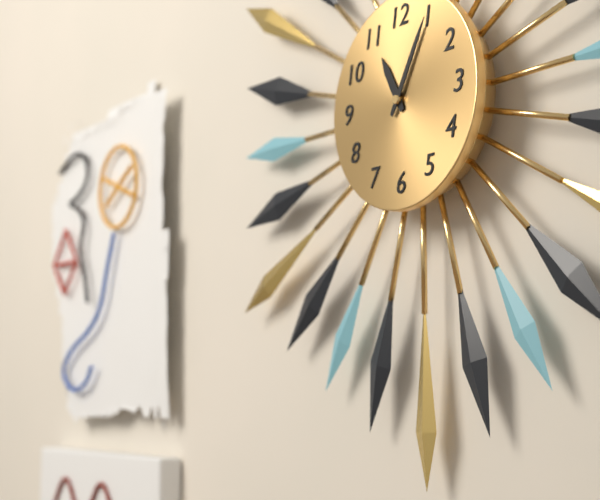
{"hour": 11, "minute": 5}
